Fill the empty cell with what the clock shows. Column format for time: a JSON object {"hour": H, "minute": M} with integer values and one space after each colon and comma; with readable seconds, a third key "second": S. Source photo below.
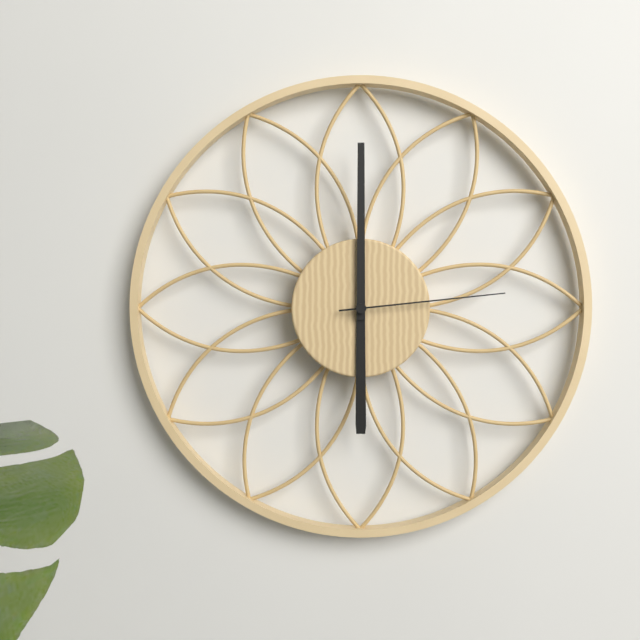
{"hour": 6, "minute": 0, "second": 14}
